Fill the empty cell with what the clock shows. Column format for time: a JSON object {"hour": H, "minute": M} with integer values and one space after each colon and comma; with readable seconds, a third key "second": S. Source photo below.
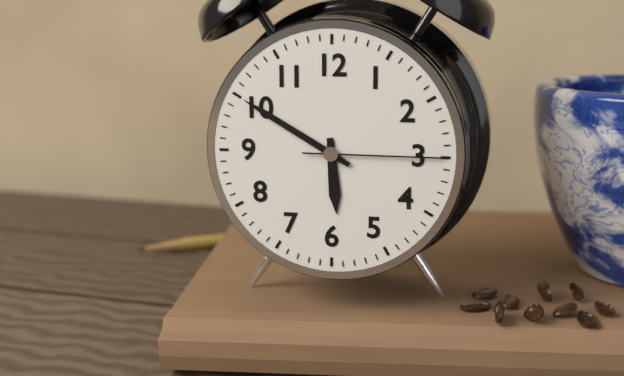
{"hour": 5, "minute": 50, "second": 15}
